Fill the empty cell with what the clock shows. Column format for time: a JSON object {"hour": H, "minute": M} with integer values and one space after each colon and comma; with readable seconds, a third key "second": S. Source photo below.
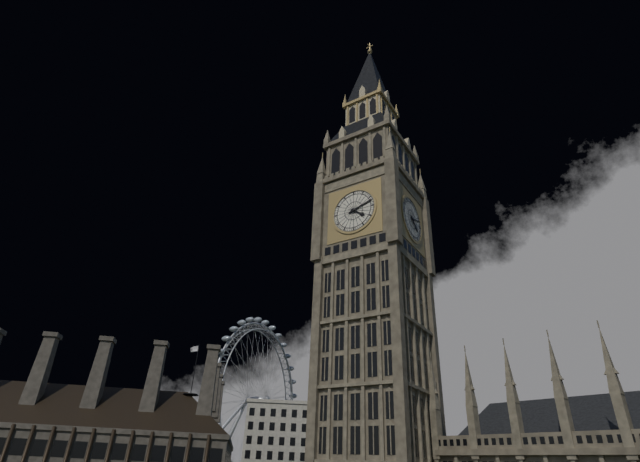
{"hour": 4, "minute": 12}
